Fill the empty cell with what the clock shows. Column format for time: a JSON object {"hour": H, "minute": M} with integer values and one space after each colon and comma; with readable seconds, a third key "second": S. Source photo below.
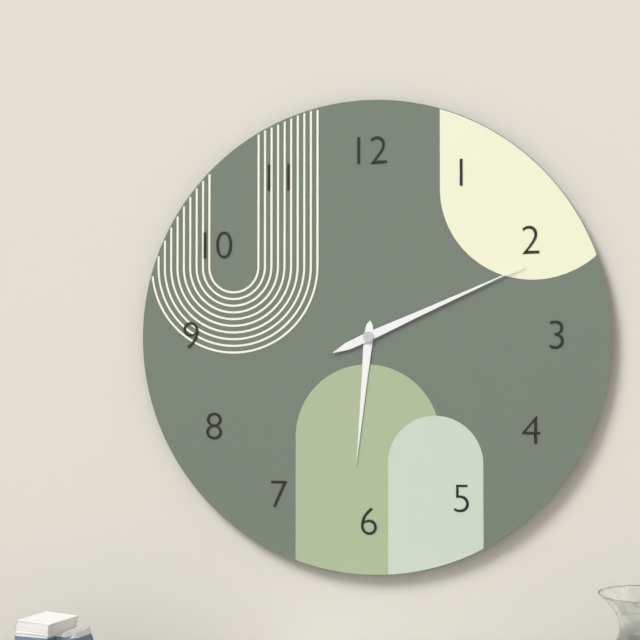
{"hour": 6, "minute": 11}
